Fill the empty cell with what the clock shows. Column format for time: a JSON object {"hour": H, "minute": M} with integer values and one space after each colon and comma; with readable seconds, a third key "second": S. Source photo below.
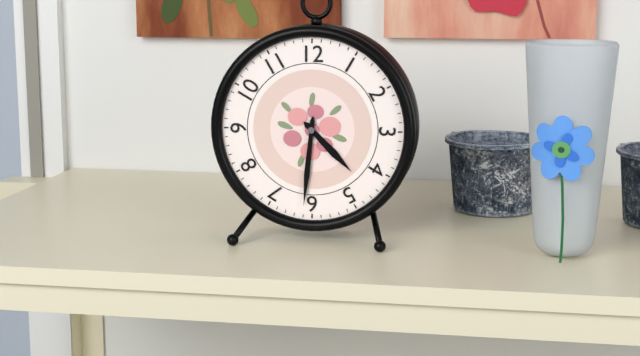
{"hour": 4, "minute": 31}
